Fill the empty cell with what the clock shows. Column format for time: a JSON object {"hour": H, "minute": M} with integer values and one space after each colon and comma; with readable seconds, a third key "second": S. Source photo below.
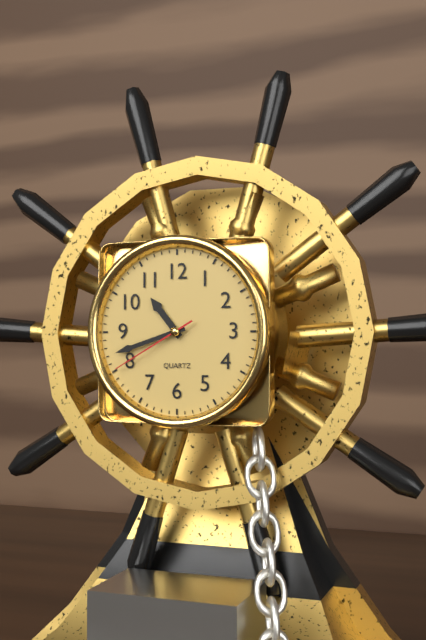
{"hour": 10, "minute": 42, "second": 40}
